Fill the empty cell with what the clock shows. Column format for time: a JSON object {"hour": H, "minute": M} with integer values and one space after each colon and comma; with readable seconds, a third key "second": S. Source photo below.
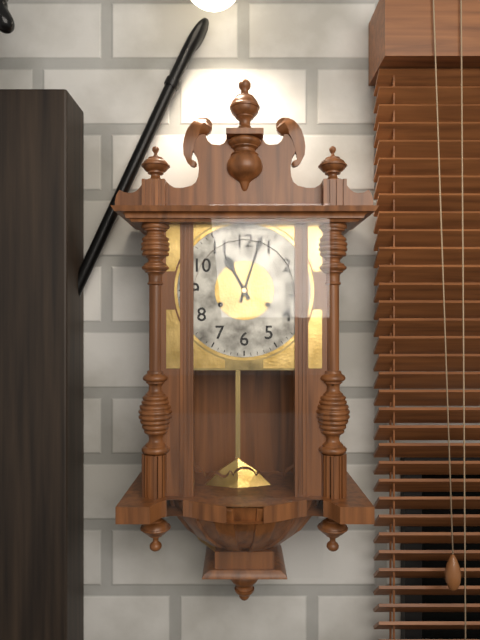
{"hour": 11, "minute": 3}
